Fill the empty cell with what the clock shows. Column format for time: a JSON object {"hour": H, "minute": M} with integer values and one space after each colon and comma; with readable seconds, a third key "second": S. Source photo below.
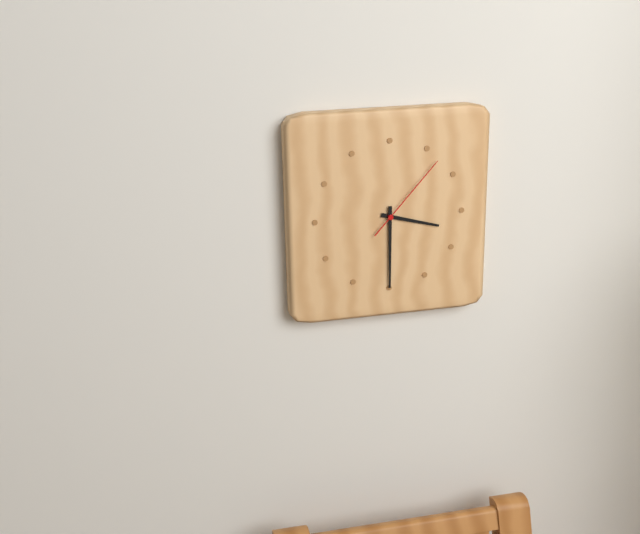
{"hour": 3, "minute": 30, "second": 7}
